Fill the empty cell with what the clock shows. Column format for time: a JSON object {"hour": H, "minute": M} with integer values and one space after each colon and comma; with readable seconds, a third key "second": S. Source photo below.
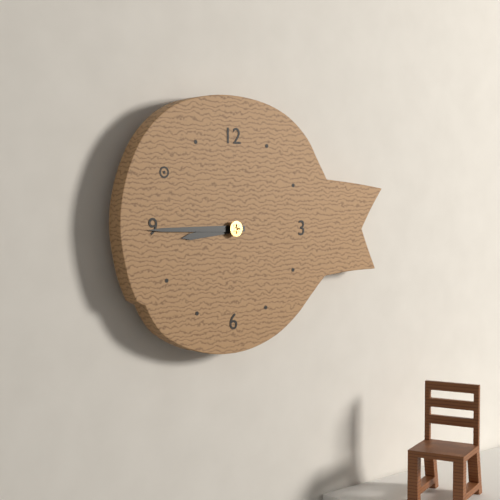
{"hour": 8, "minute": 45}
